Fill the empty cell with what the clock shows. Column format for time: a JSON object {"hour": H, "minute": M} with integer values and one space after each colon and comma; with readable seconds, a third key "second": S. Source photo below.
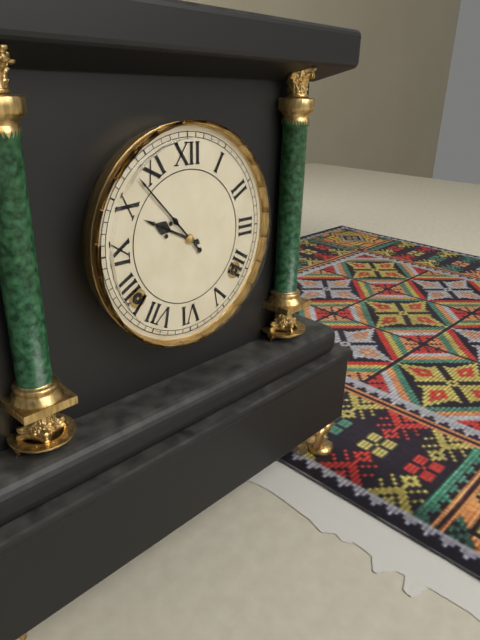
{"hour": 9, "minute": 53}
